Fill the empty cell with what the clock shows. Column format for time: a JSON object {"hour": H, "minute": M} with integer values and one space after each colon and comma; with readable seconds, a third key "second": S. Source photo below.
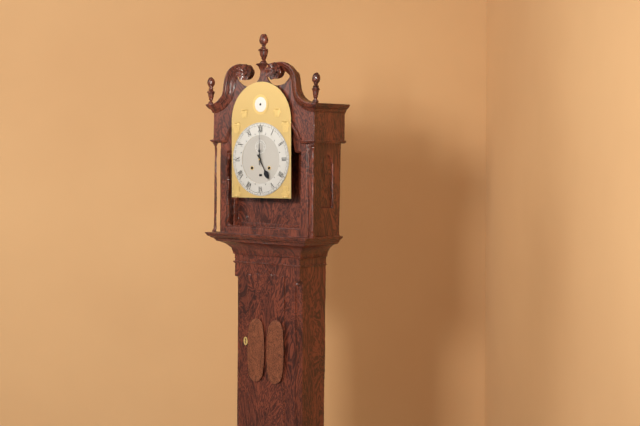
{"hour": 5, "minute": 0}
